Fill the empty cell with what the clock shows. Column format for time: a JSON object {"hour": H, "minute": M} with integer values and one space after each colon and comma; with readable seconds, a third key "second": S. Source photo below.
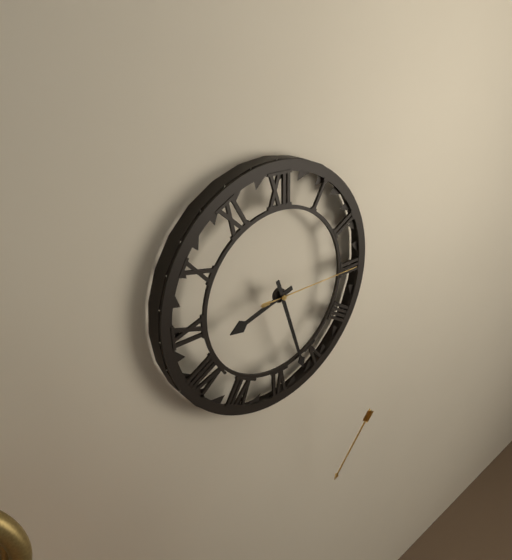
{"hour": 8, "minute": 27, "second": 15}
